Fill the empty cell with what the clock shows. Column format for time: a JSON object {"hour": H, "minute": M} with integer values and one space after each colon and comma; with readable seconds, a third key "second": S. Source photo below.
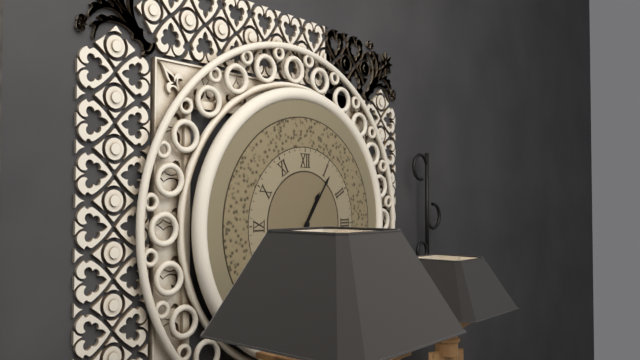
{"hour": 1, "minute": 6}
